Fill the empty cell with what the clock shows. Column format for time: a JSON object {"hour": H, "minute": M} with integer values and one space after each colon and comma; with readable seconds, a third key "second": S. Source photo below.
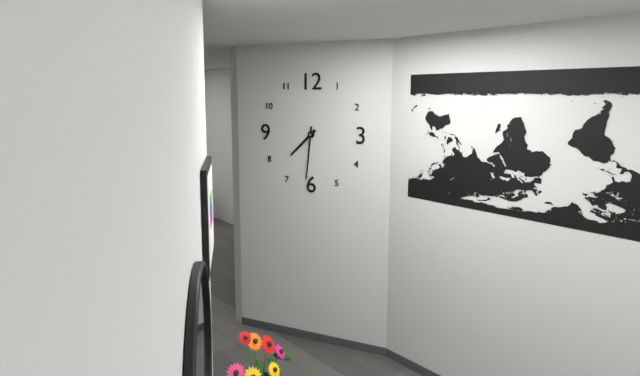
{"hour": 7, "minute": 31}
